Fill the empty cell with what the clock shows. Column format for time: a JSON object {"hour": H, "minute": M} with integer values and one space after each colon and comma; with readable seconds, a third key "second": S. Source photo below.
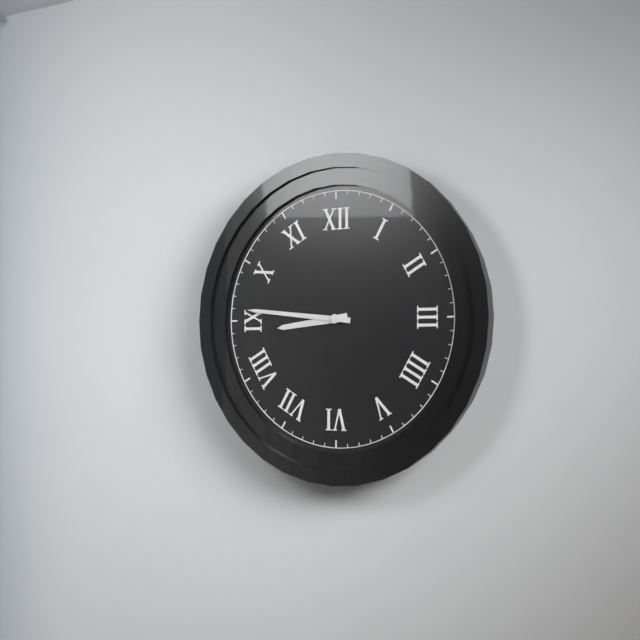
{"hour": 8, "minute": 46}
